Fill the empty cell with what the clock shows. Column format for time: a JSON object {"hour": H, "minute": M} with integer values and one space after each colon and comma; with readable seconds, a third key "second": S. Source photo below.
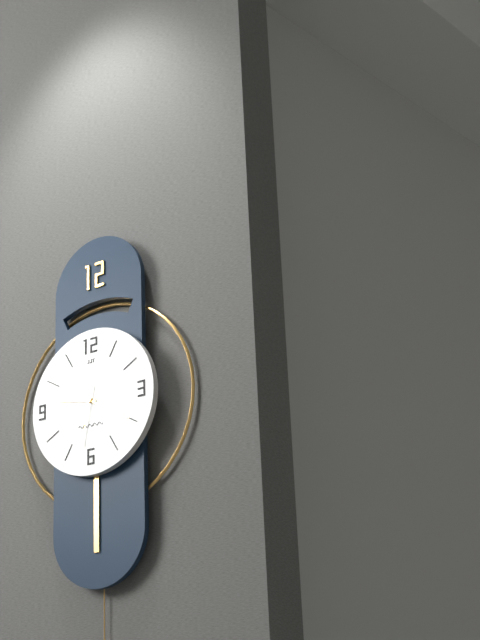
{"hour": 9, "minute": 20, "second": 32}
